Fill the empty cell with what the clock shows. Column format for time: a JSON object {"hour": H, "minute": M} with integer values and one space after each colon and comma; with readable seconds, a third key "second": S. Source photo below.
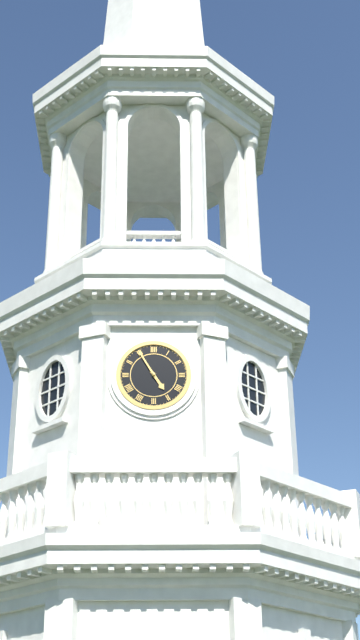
{"hour": 4, "minute": 55}
